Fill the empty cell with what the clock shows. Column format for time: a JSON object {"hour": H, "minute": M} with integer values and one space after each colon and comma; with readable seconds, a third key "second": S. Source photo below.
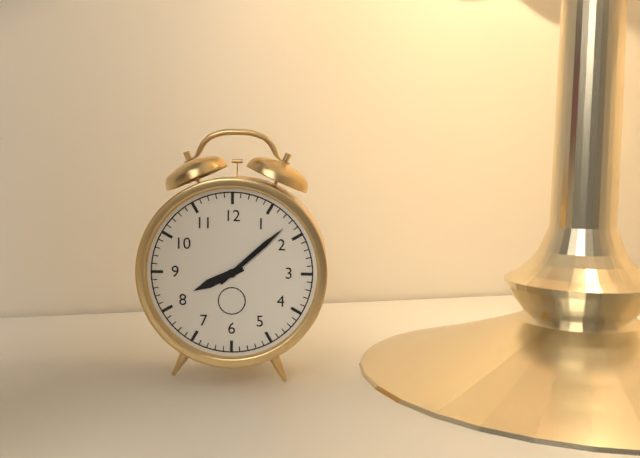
{"hour": 8, "minute": 8}
